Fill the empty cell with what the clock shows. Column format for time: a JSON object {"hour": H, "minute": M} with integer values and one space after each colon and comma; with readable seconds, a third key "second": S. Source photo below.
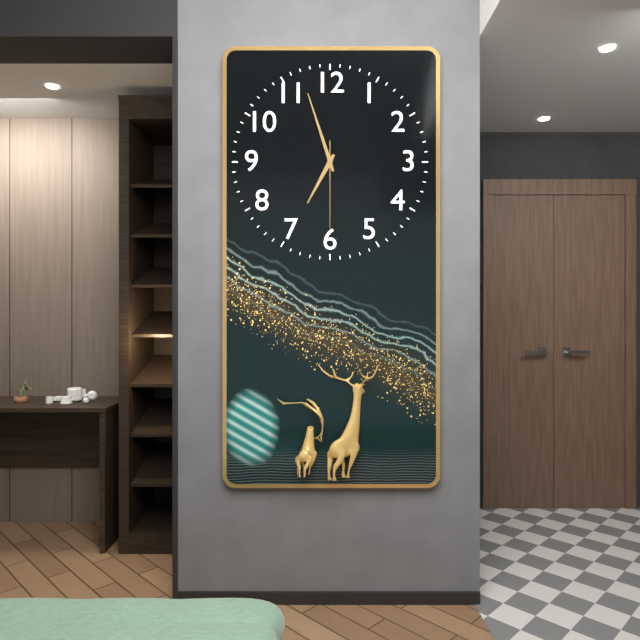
{"hour": 6, "minute": 57, "second": 30}
